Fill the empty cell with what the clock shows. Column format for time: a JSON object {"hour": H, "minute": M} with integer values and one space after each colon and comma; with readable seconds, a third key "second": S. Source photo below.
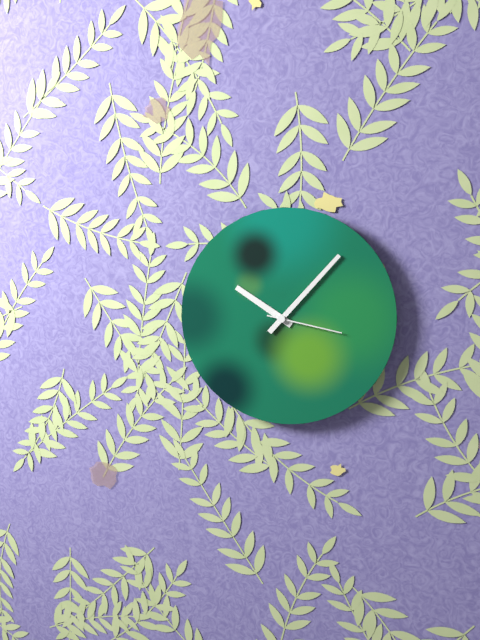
{"hour": 10, "minute": 7, "second": 17}
